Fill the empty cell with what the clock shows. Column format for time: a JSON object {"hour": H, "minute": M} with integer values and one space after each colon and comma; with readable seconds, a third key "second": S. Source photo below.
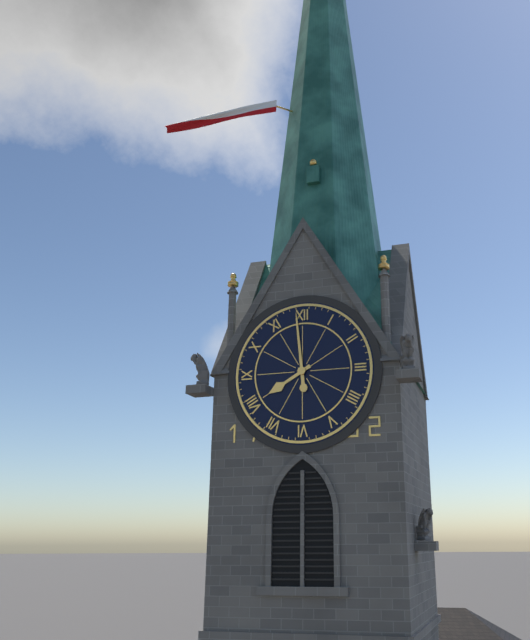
{"hour": 7, "minute": 59}
